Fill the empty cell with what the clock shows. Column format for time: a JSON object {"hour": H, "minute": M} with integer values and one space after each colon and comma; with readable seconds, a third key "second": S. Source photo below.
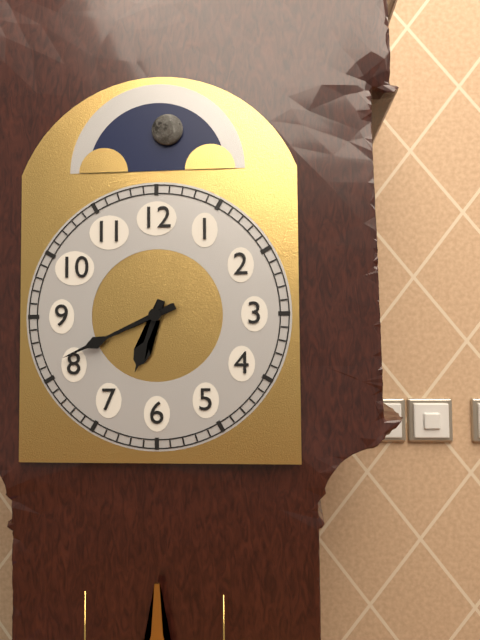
{"hour": 6, "minute": 41}
